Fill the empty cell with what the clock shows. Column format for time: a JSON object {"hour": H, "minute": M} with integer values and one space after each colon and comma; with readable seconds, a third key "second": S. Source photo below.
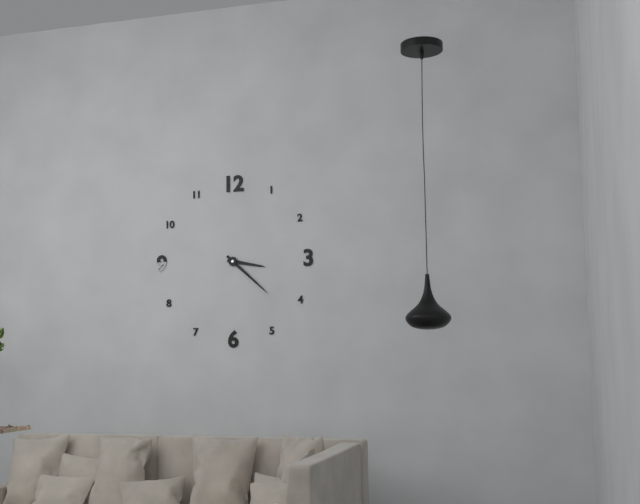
{"hour": 3, "minute": 22}
